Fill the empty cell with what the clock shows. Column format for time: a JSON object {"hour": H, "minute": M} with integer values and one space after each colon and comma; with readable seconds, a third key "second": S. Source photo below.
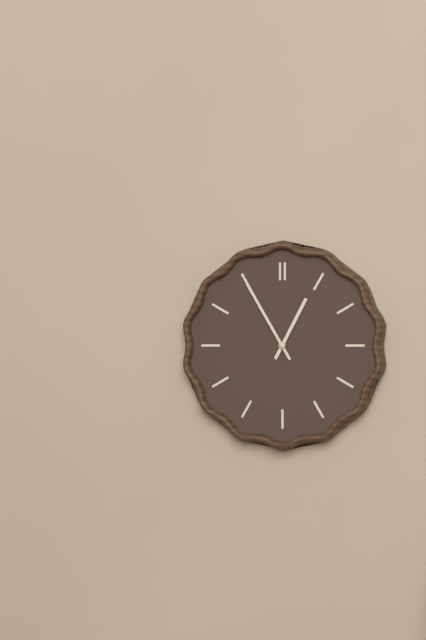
{"hour": 12, "minute": 55}
